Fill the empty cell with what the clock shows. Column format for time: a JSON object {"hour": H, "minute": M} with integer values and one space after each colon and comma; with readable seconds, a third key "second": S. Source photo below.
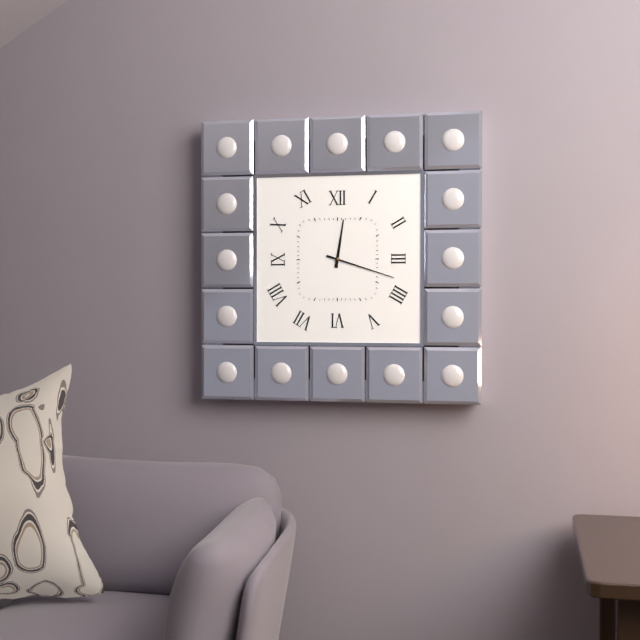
{"hour": 12, "minute": 18}
